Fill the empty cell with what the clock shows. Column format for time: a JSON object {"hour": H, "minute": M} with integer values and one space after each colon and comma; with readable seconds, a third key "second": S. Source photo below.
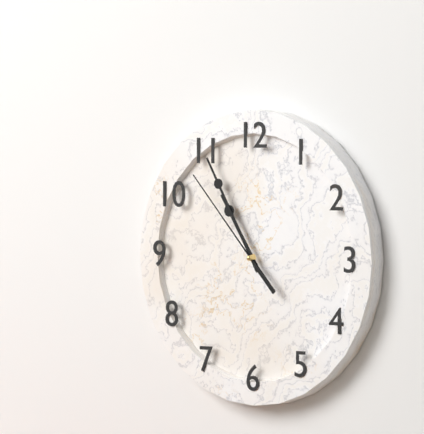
{"hour": 10, "minute": 55, "second": 53}
